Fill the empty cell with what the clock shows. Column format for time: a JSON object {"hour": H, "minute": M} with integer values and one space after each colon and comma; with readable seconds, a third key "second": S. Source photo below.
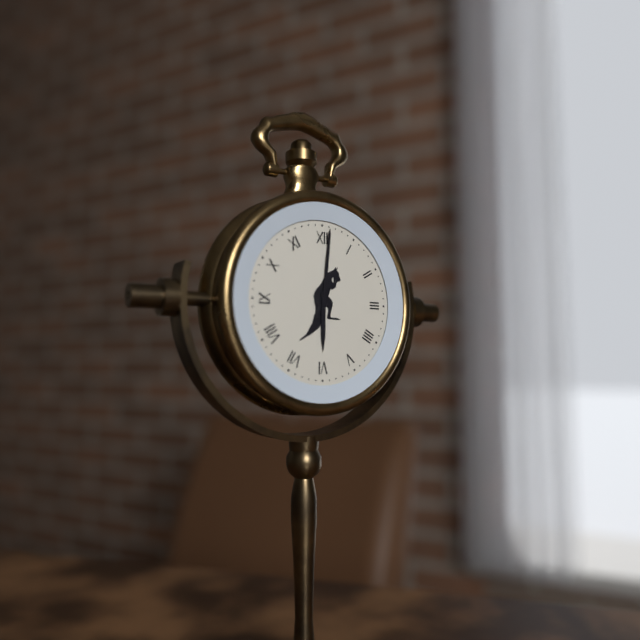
{"hour": 6, "minute": 1}
